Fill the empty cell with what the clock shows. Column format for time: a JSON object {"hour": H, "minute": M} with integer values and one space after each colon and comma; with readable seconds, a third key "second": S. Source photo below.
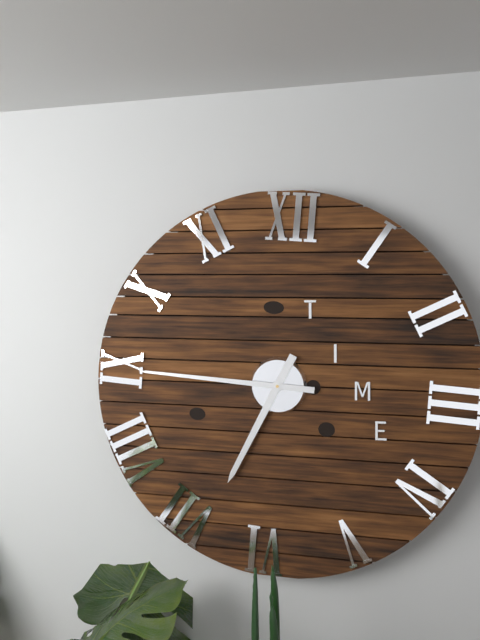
{"hour": 6, "minute": 45}
